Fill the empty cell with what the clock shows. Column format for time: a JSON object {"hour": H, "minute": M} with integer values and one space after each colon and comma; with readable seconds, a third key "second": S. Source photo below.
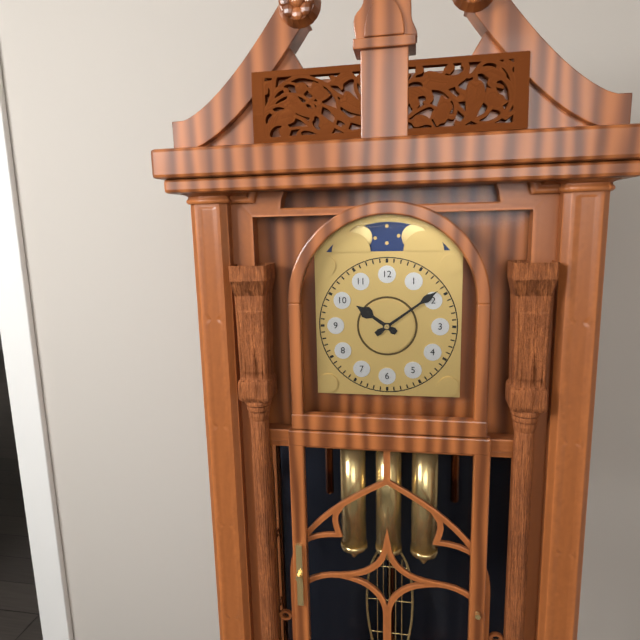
{"hour": 10, "minute": 9}
